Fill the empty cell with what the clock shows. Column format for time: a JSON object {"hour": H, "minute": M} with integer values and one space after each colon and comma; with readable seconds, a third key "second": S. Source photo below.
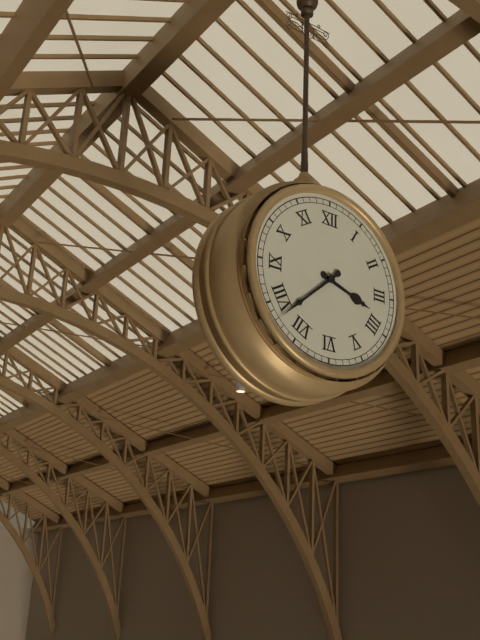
{"hour": 3, "minute": 38}
